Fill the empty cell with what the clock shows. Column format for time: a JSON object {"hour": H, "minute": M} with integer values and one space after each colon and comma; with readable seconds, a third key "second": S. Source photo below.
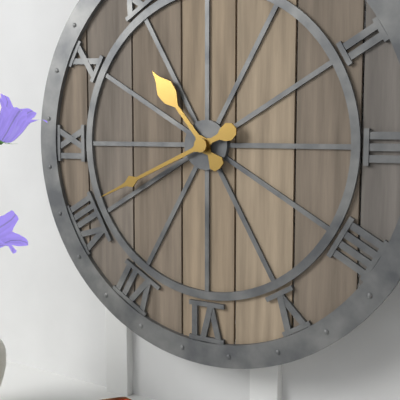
{"hour": 10, "minute": 41}
